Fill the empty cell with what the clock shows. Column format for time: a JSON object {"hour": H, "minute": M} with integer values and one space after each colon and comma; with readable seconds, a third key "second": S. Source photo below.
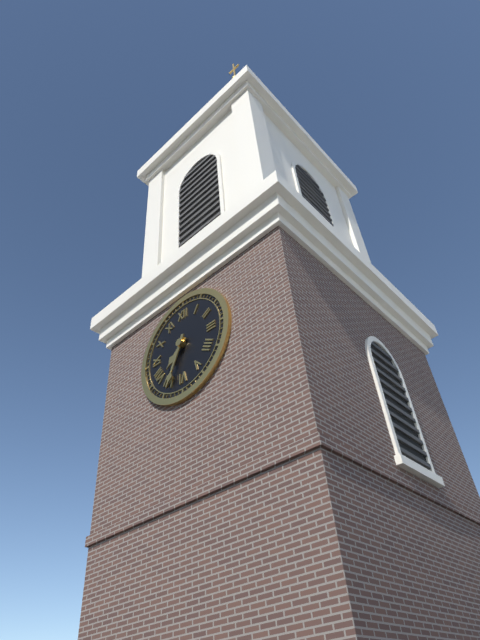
{"hour": 7, "minute": 34}
